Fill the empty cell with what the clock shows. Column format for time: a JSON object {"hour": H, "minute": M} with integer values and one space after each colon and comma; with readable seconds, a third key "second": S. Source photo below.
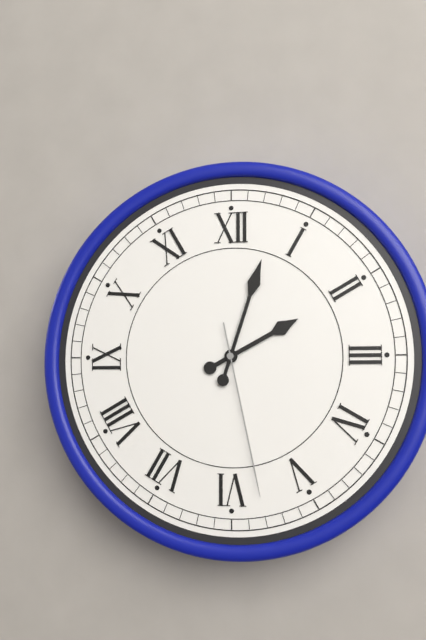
{"hour": 2, "minute": 3, "second": 28}
